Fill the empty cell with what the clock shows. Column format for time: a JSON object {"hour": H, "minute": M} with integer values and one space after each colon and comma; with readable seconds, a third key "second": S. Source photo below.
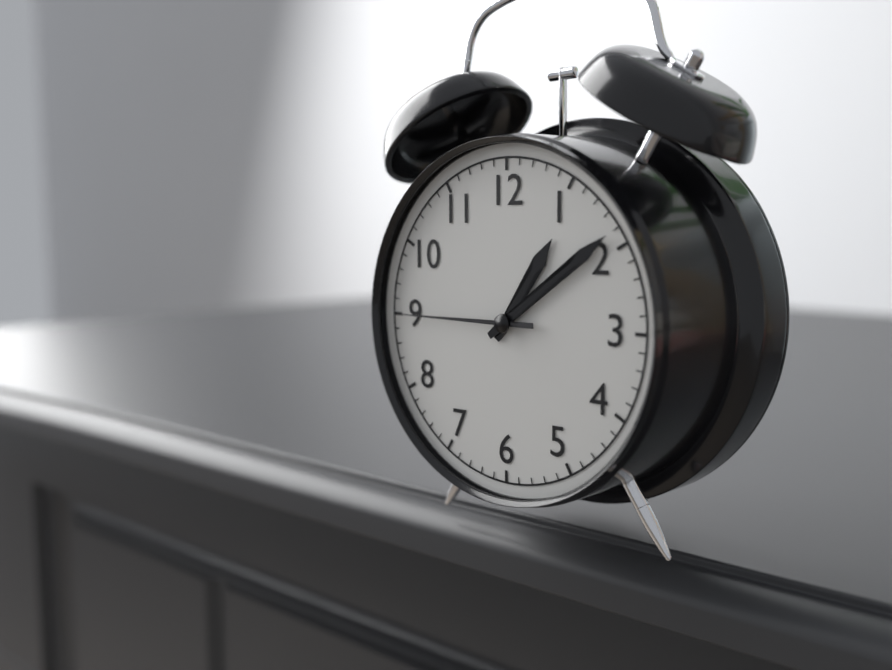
{"hour": 1, "minute": 9, "second": 45}
